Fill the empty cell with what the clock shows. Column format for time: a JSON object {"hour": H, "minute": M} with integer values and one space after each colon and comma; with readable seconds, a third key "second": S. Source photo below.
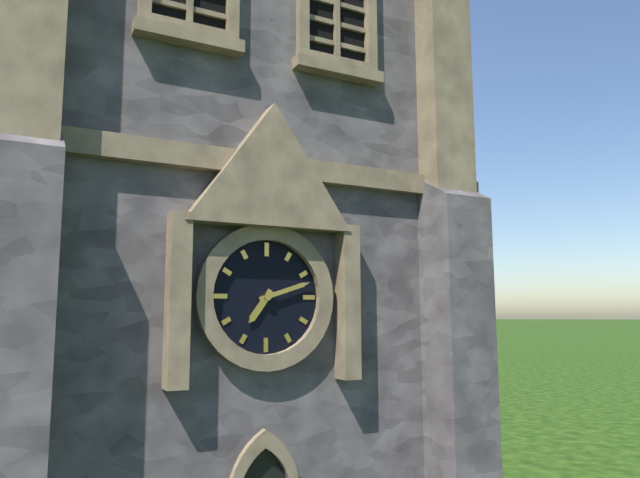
{"hour": 7, "minute": 12}
